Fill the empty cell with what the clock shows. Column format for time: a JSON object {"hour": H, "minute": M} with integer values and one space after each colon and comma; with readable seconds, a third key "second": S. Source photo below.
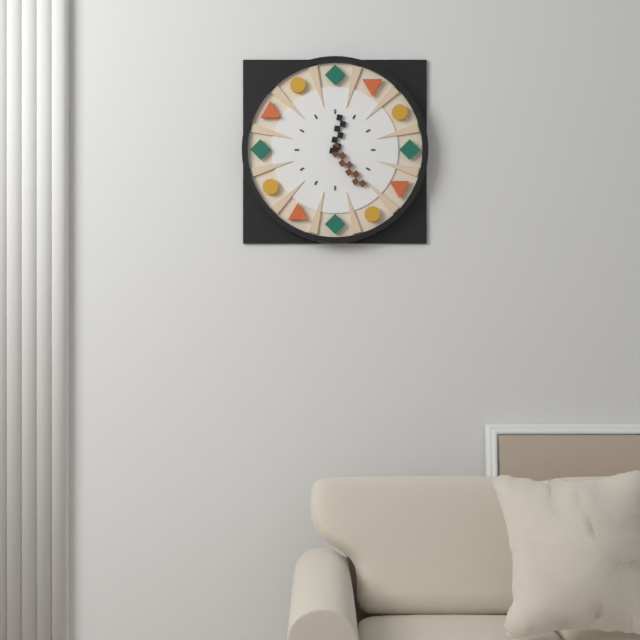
{"hour": 12, "minute": 24}
